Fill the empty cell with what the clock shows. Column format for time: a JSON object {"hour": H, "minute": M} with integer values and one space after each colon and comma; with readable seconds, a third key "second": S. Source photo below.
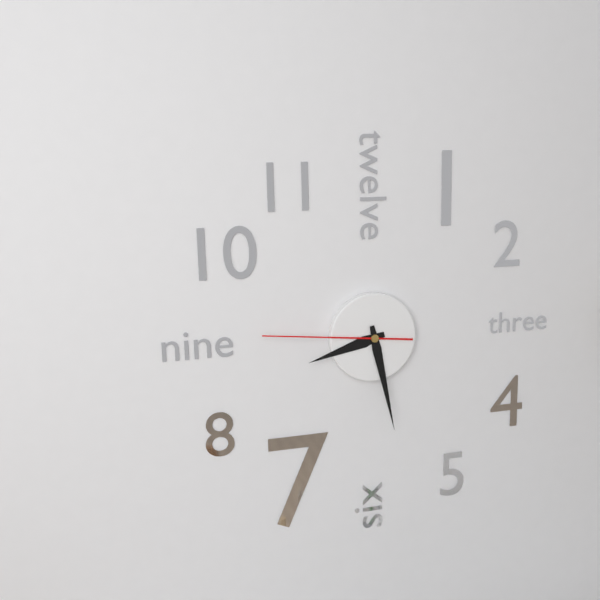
{"hour": 8, "minute": 28, "second": 46}
